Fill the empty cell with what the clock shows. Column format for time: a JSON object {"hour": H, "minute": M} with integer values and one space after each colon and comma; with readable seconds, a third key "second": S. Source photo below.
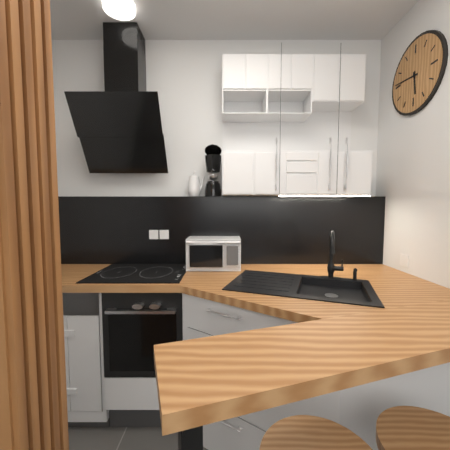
{"hour": 5, "minute": 46}
